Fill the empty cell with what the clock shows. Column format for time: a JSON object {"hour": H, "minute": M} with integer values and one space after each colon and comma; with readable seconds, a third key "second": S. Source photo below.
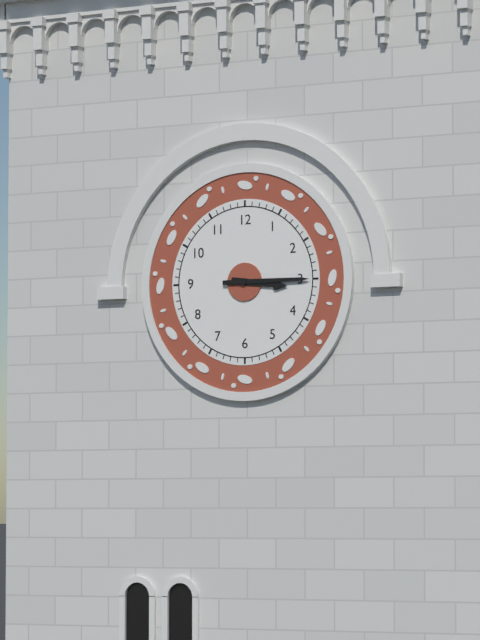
{"hour": 3, "minute": 15}
